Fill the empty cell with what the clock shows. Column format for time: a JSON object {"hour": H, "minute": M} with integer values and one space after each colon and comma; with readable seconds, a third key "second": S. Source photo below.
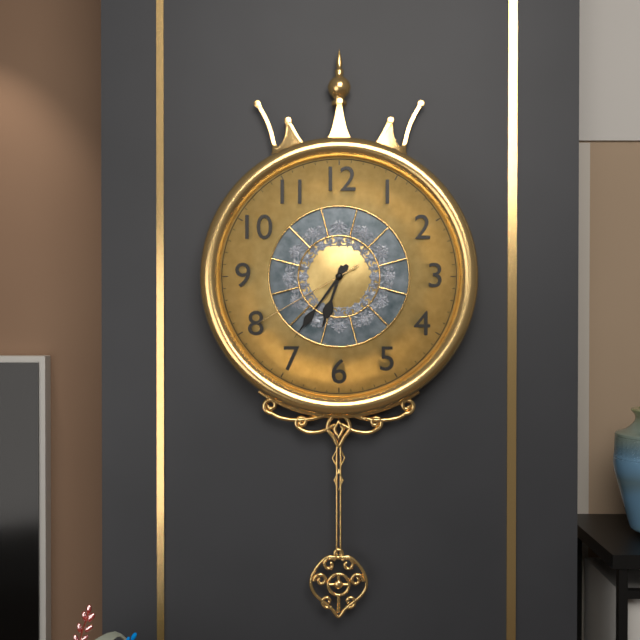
{"hour": 6, "minute": 36, "second": 40}
